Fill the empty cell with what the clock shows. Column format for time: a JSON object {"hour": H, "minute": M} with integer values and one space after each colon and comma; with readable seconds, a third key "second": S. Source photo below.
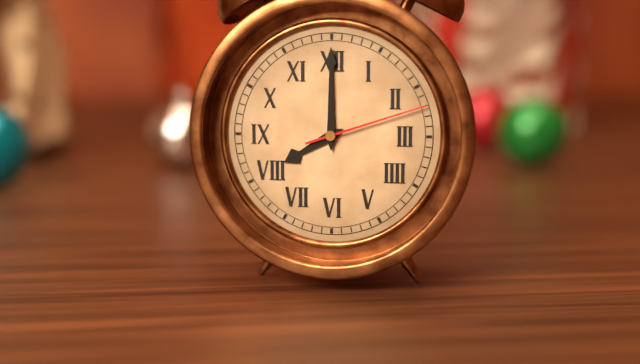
{"hour": 8, "minute": 0, "second": 12}
